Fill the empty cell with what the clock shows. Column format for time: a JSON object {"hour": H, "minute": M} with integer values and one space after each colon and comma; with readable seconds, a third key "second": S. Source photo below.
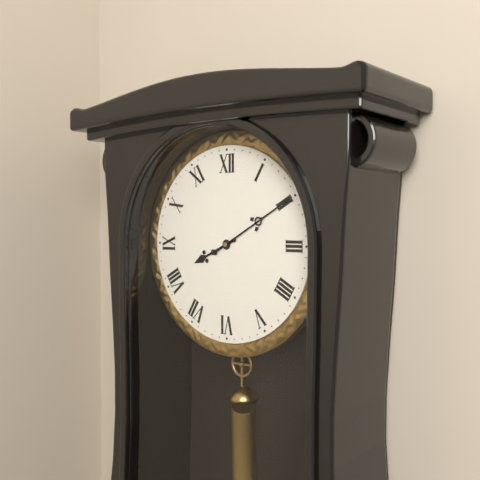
{"hour": 8, "minute": 10}
